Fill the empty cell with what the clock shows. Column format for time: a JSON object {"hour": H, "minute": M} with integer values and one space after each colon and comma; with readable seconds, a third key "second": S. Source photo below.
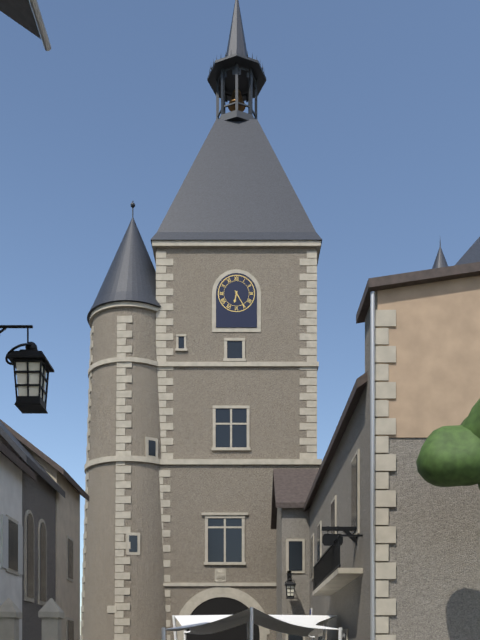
{"hour": 6, "minute": 25}
